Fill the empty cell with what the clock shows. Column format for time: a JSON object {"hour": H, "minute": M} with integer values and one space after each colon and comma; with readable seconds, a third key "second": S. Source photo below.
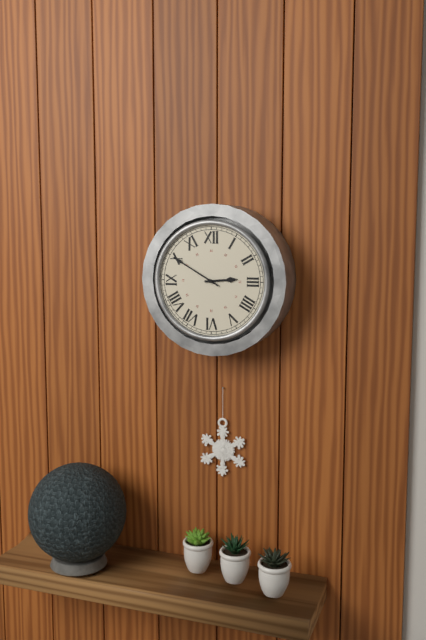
{"hour": 2, "minute": 50}
